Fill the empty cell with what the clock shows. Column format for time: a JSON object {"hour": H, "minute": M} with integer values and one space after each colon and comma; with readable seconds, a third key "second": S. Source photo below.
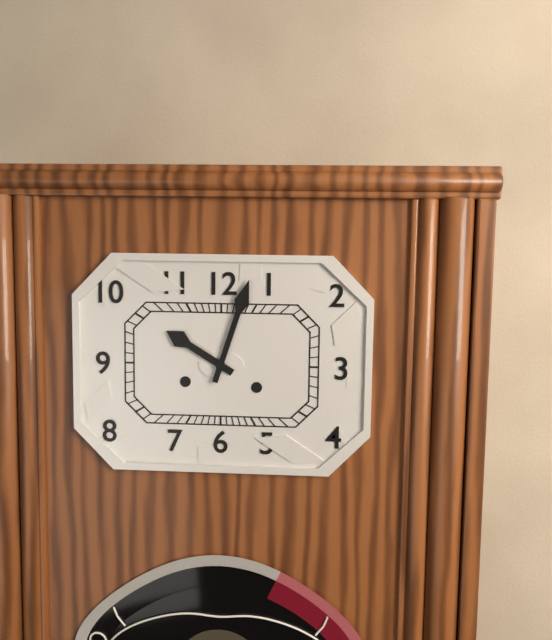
{"hour": 10, "minute": 3}
